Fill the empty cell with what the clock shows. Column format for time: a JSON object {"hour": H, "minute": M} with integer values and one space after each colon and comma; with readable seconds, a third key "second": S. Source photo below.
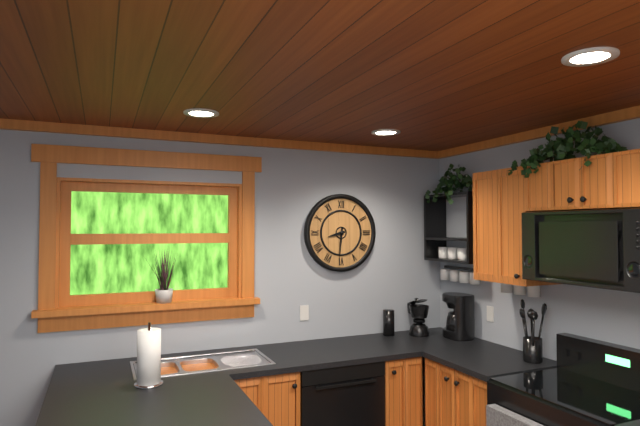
{"hour": 8, "minute": 31}
